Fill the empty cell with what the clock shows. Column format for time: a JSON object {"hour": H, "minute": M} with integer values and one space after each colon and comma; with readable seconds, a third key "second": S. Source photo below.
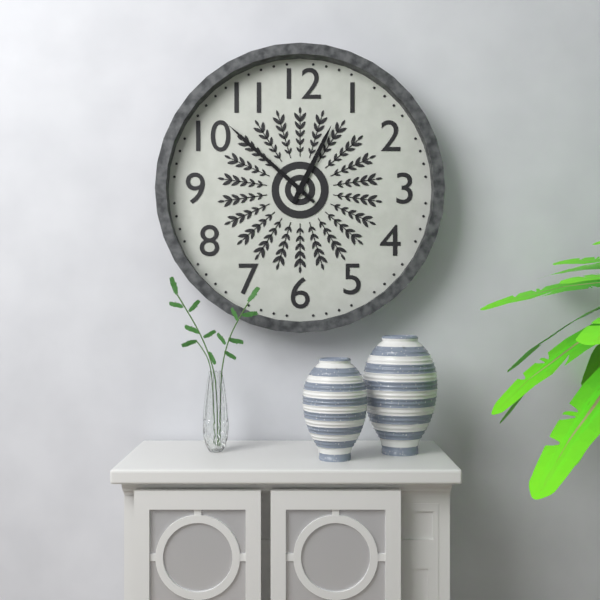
{"hour": 12, "minute": 52}
